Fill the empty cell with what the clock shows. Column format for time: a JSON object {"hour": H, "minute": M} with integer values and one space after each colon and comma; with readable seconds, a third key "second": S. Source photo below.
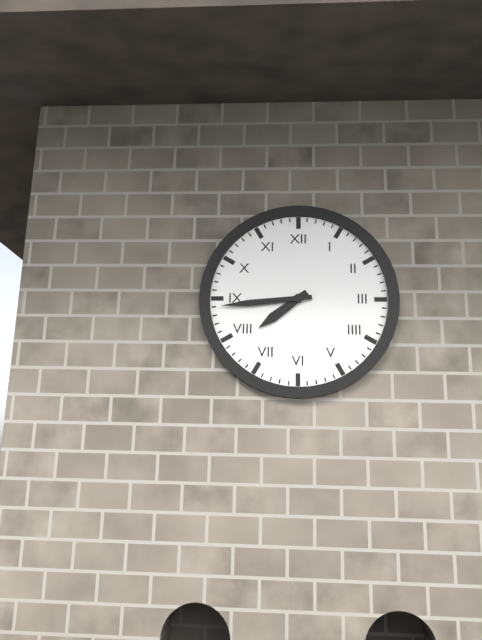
{"hour": 7, "minute": 44}
